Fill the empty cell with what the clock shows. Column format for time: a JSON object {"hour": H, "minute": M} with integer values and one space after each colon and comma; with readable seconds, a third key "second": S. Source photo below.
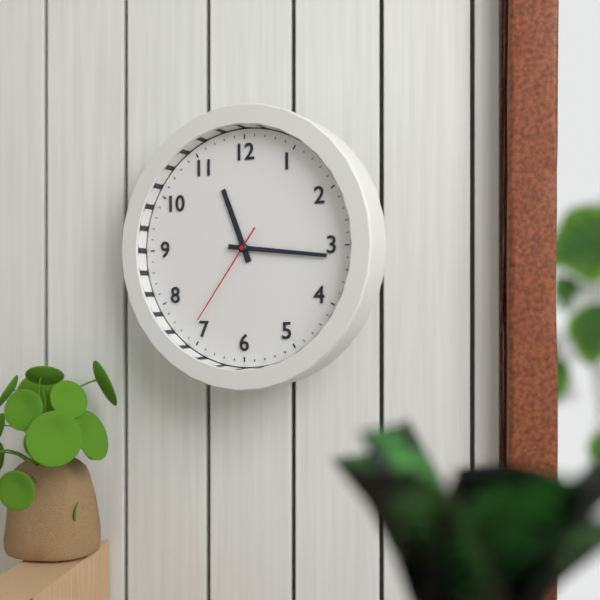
{"hour": 11, "minute": 16, "second": 36}
